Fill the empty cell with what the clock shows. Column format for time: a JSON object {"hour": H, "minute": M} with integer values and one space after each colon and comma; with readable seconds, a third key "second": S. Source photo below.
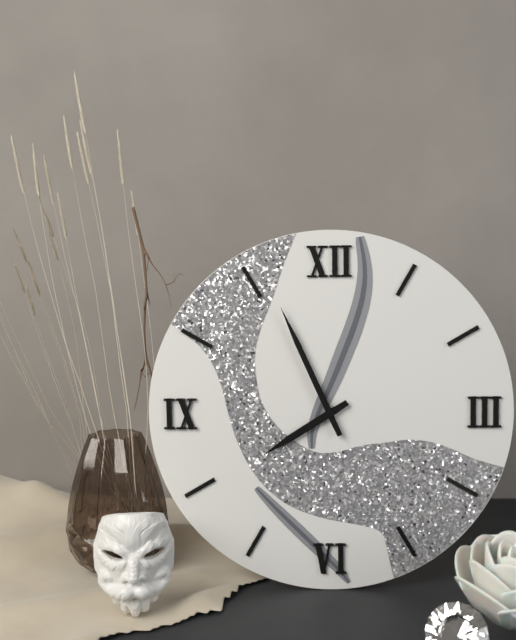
{"hour": 7, "minute": 56}
